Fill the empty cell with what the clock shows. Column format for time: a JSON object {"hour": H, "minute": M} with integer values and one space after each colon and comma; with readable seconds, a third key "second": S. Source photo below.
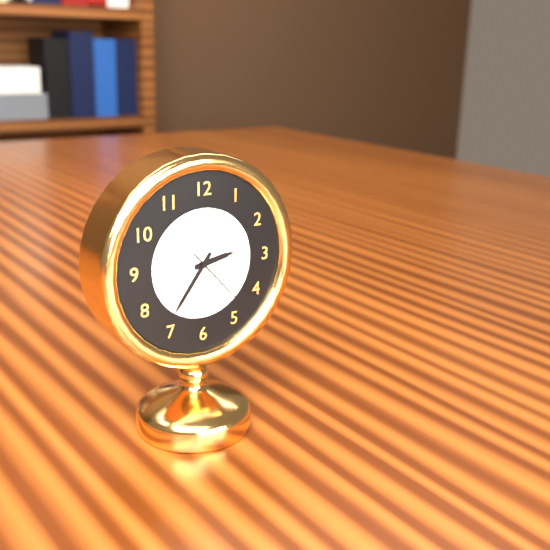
{"hour": 2, "minute": 36, "second": 23}
